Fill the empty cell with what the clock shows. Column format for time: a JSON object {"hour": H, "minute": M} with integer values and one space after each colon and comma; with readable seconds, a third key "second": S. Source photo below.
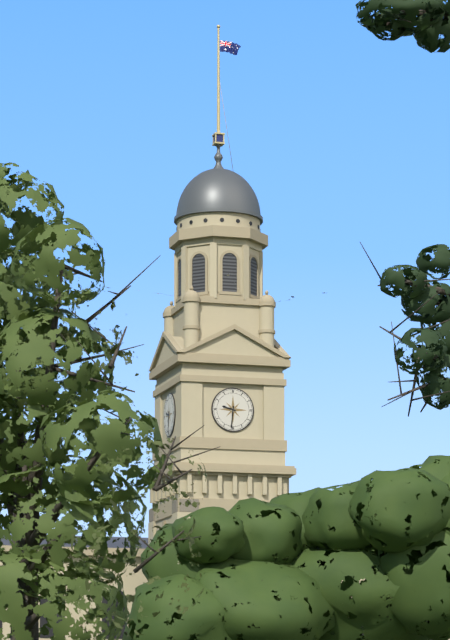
{"hour": 9, "minute": 31}
